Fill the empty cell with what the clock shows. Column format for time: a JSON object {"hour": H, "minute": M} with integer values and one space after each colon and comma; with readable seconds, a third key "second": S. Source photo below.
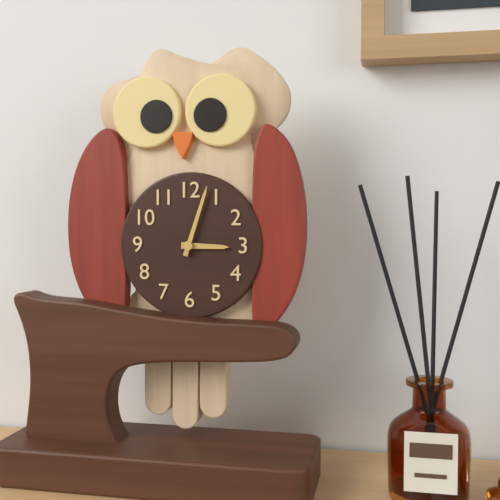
{"hour": 3, "minute": 3}
